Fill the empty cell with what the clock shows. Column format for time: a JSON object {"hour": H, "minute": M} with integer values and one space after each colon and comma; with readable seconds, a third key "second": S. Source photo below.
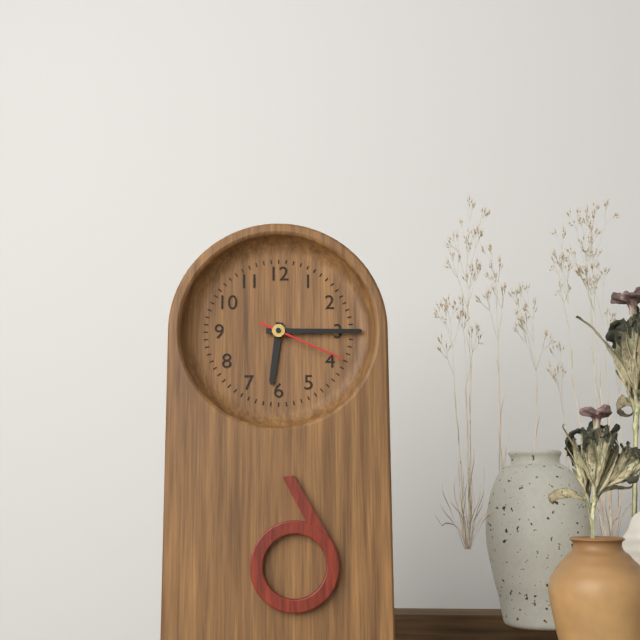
{"hour": 6, "minute": 15, "second": 19}
